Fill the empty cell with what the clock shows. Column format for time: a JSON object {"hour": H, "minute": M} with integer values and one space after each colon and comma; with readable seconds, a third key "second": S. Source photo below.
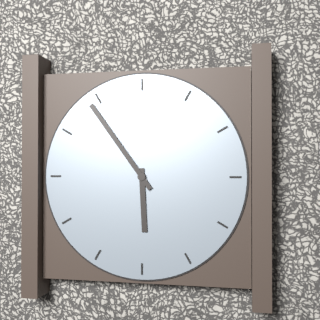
{"hour": 5, "minute": 54}
